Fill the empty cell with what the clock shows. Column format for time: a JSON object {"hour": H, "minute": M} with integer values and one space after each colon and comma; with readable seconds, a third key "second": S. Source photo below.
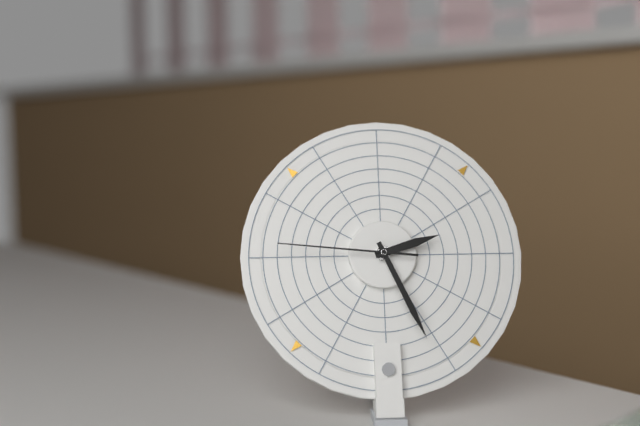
{"hour": 2, "minute": 26, "second": 46}
